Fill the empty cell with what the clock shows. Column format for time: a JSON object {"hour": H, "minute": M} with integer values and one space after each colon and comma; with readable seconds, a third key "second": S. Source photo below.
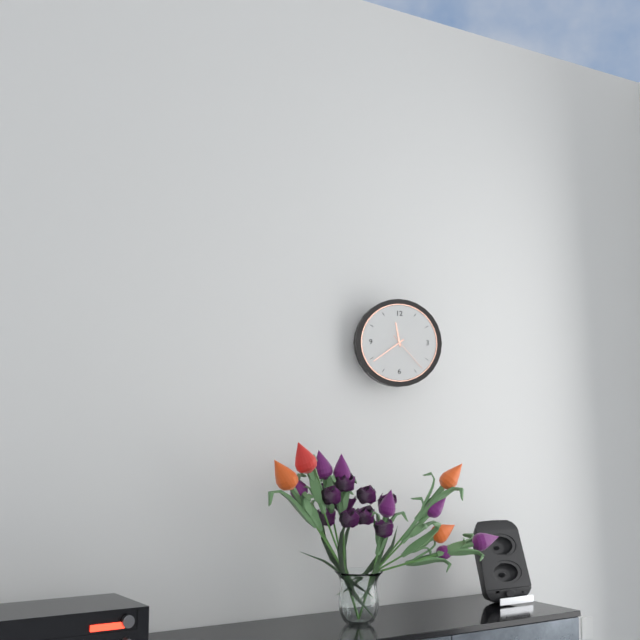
{"hour": 11, "minute": 39}
